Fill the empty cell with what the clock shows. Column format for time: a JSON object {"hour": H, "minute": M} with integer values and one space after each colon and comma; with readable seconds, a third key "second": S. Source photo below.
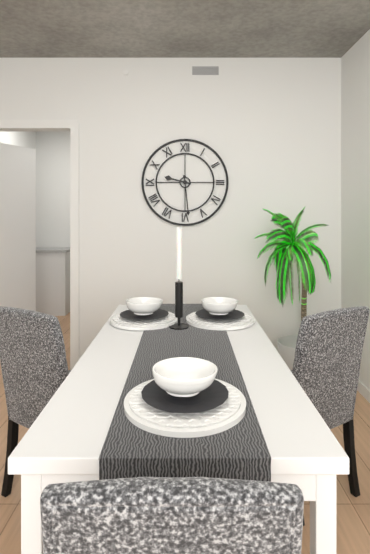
{"hour": 9, "minute": 29}
